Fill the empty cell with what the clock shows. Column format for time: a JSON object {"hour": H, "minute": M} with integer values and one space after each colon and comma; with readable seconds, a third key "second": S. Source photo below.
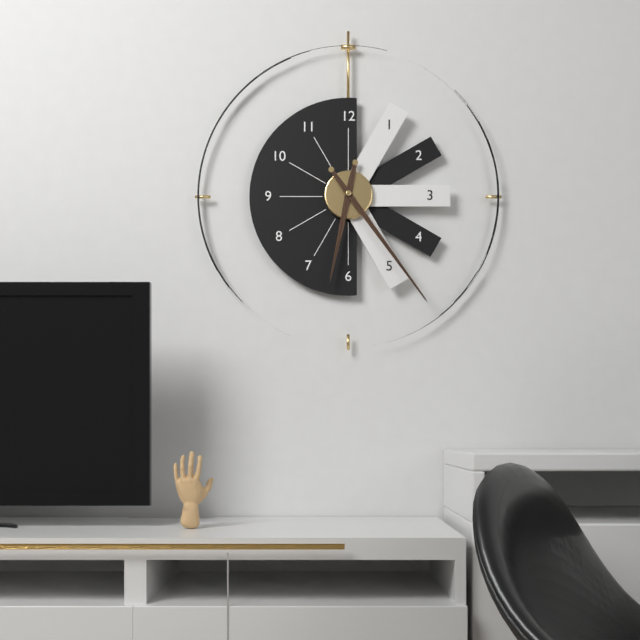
{"hour": 6, "minute": 24}
